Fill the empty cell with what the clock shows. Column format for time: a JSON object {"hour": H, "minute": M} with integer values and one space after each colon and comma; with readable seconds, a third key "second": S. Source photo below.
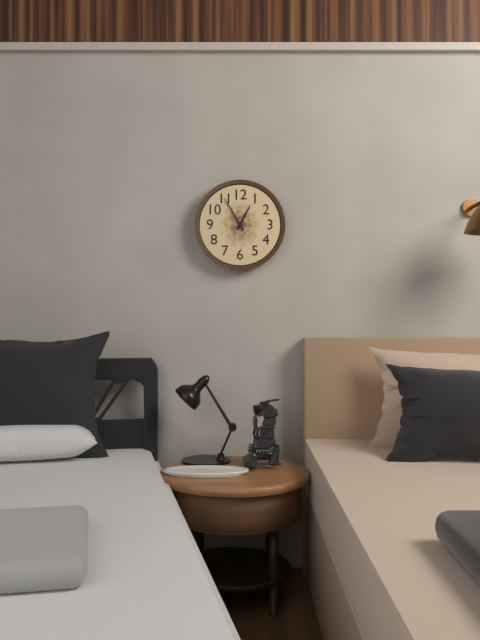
{"hour": 12, "minute": 55}
